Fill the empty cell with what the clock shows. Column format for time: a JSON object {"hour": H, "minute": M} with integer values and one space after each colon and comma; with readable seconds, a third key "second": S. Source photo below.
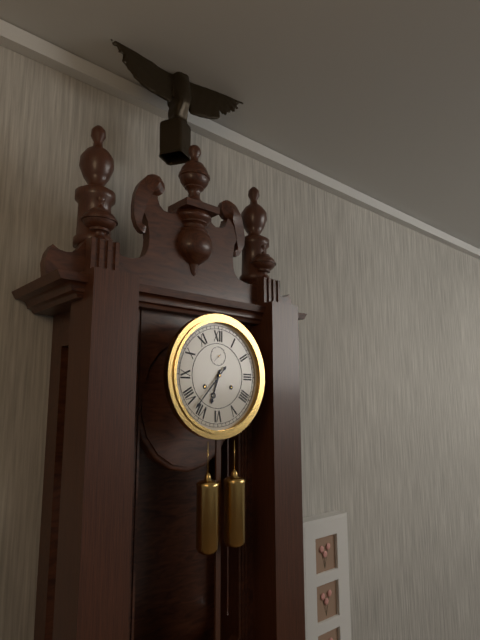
{"hour": 6, "minute": 37}
